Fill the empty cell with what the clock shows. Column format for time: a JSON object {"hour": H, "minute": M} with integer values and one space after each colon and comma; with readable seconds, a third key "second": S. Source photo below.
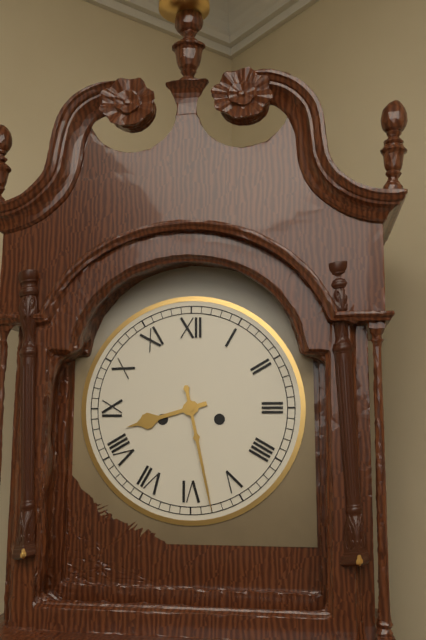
{"hour": 8, "minute": 28}
